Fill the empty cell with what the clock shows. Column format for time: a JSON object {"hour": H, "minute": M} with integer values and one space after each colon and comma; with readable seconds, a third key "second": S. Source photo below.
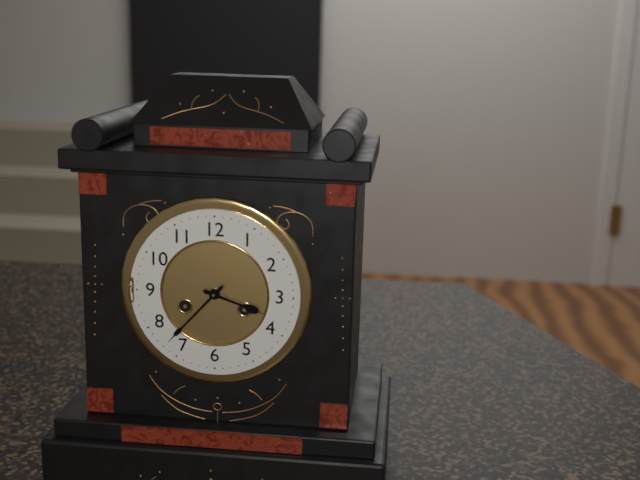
{"hour": 3, "minute": 37}
